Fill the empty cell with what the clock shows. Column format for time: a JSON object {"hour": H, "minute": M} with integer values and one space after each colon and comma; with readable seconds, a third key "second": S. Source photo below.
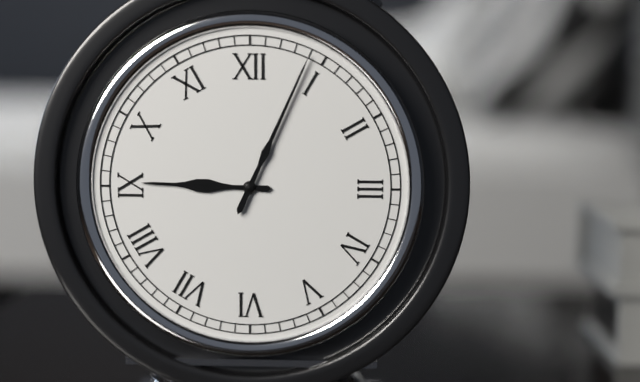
{"hour": 9, "minute": 4}
